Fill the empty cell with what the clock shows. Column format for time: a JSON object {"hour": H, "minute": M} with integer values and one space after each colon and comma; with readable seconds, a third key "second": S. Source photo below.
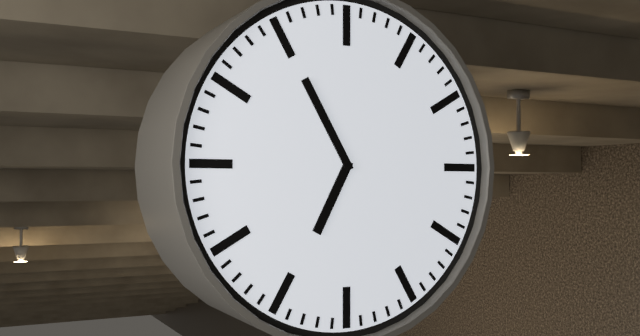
{"hour": 6, "minute": 55}
